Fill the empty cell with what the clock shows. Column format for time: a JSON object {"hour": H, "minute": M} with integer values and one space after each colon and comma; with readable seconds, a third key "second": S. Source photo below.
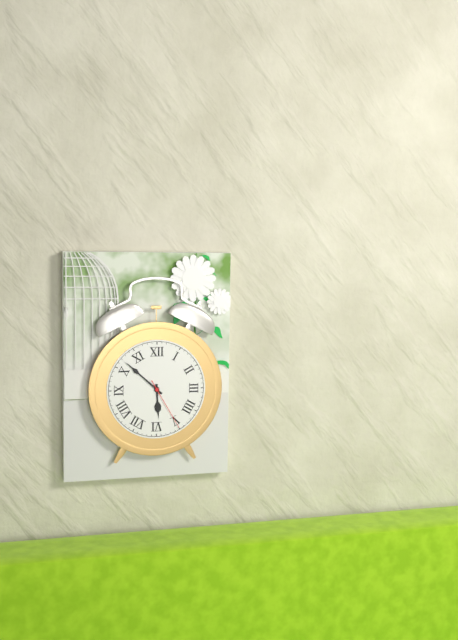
{"hour": 5, "minute": 52, "second": 25}
